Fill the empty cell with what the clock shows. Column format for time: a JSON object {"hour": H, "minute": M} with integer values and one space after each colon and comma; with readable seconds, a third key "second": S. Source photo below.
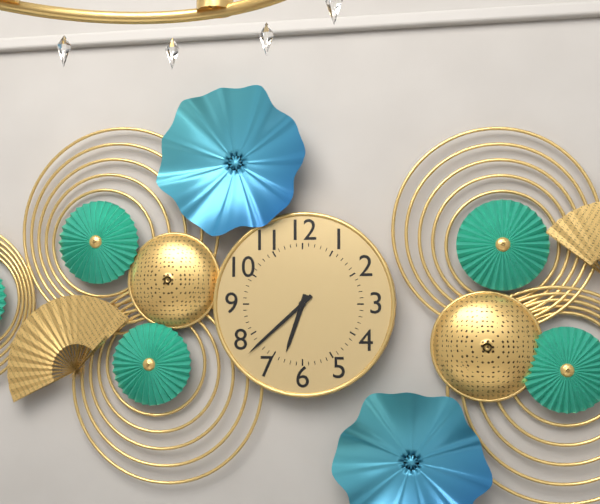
{"hour": 6, "minute": 38}
